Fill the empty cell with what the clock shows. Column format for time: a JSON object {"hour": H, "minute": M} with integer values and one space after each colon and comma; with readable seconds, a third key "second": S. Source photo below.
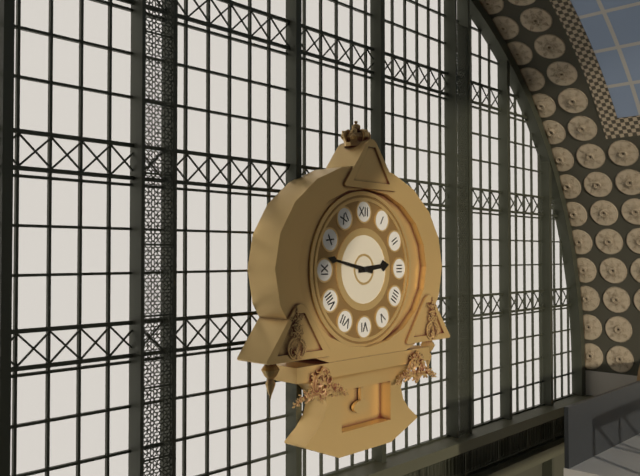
{"hour": 2, "minute": 47}
